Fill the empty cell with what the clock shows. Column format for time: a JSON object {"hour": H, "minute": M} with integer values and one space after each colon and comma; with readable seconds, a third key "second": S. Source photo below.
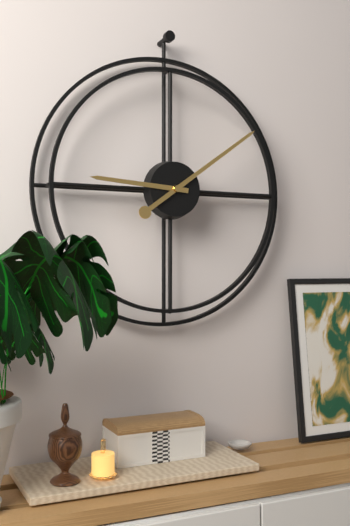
{"hour": 9, "minute": 9}
